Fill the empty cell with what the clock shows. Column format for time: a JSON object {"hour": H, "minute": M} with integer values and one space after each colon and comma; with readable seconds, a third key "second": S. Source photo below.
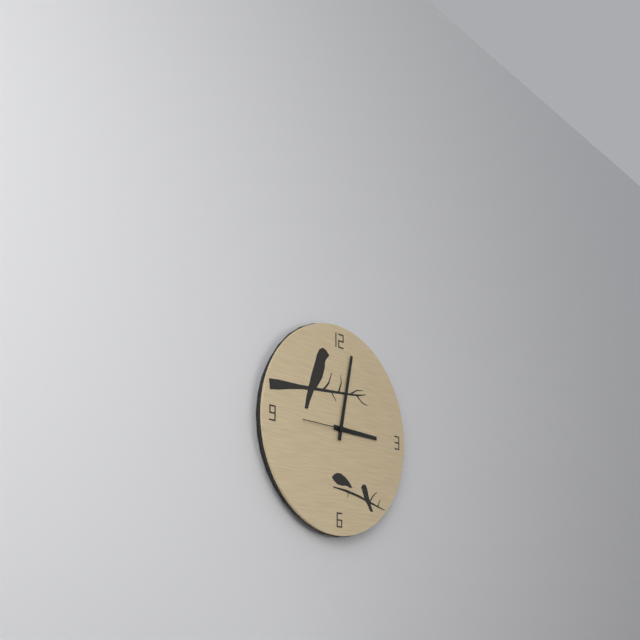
{"hour": 3, "minute": 2}
